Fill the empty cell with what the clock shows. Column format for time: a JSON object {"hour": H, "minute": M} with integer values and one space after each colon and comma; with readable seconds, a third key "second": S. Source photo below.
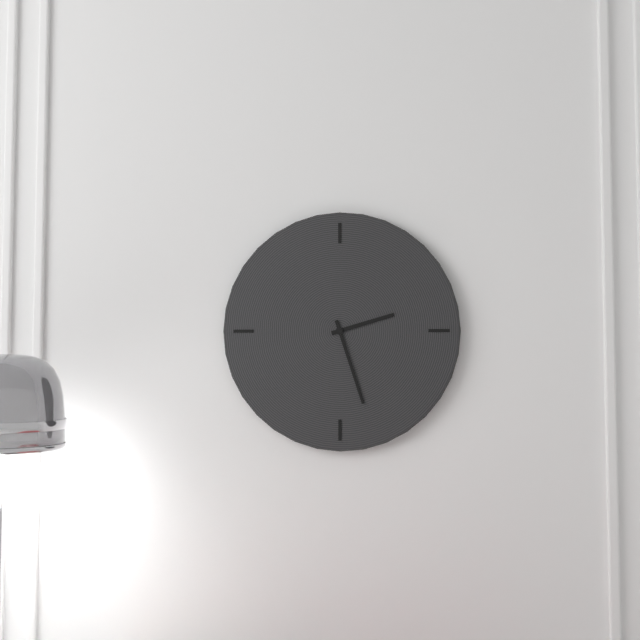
{"hour": 2, "minute": 27}
